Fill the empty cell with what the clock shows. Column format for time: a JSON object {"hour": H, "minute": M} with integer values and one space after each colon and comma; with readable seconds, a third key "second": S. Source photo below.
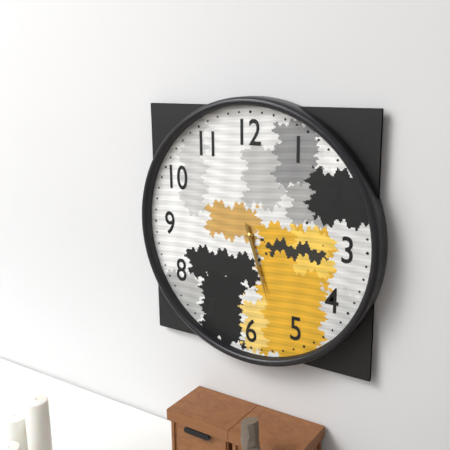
{"hour": 5, "minute": 27}
